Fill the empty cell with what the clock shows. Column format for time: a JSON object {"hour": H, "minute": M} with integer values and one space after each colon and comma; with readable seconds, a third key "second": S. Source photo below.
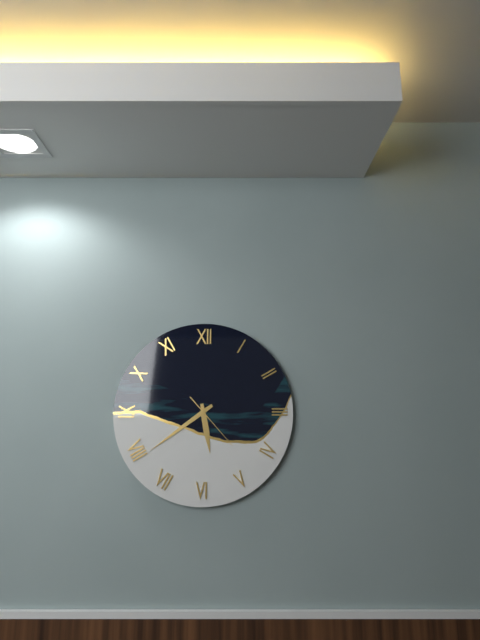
{"hour": 5, "minute": 39, "second": 23}
